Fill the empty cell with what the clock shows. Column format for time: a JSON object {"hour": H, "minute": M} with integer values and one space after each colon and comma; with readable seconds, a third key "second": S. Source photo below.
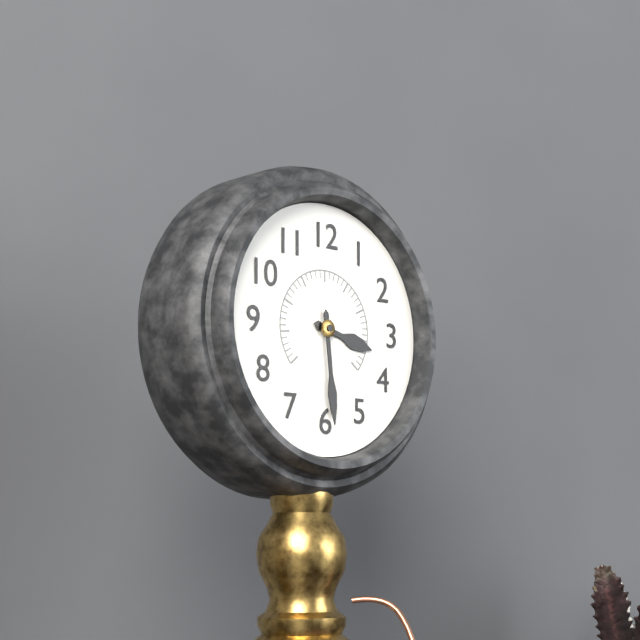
{"hour": 3, "minute": 29}
